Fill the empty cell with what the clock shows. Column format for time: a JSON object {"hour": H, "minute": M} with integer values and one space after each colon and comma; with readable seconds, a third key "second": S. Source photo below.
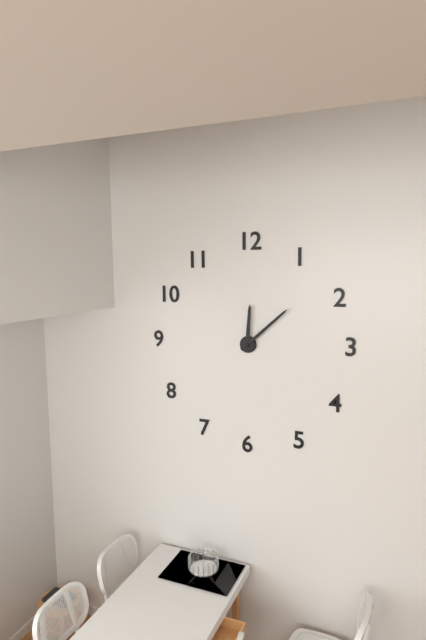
{"hour": 12, "minute": 8}
